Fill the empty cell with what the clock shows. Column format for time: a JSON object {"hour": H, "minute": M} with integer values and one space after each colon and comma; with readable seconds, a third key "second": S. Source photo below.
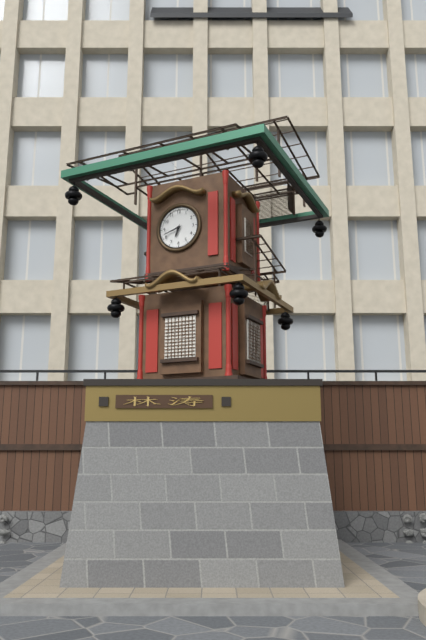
{"hour": 6, "minute": 42}
